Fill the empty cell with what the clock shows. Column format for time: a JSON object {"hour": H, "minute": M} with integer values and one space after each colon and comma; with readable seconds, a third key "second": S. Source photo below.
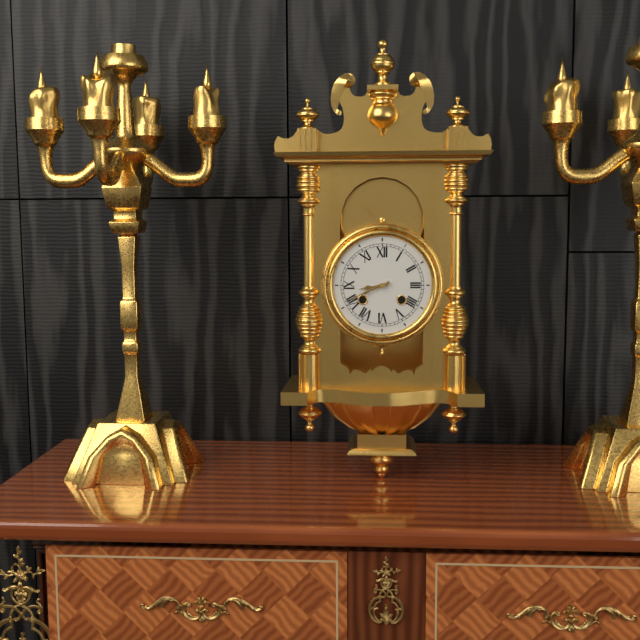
{"hour": 8, "minute": 41}
